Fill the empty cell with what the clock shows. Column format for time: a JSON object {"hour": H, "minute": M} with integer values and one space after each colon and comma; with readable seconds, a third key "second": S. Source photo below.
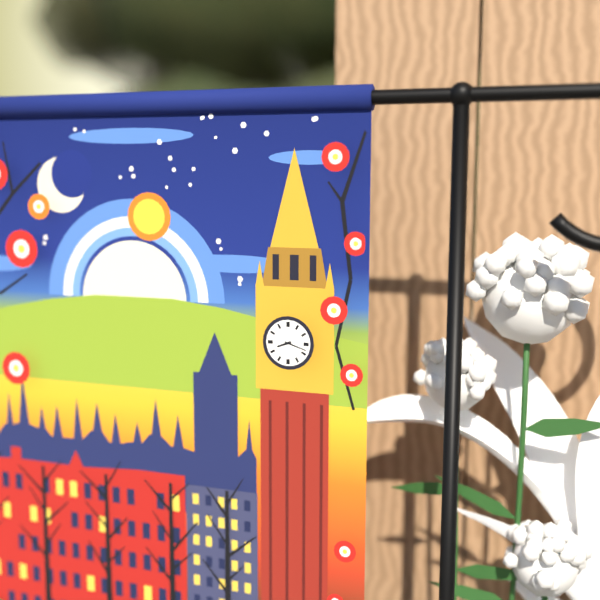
{"hour": 8, "minute": 18}
